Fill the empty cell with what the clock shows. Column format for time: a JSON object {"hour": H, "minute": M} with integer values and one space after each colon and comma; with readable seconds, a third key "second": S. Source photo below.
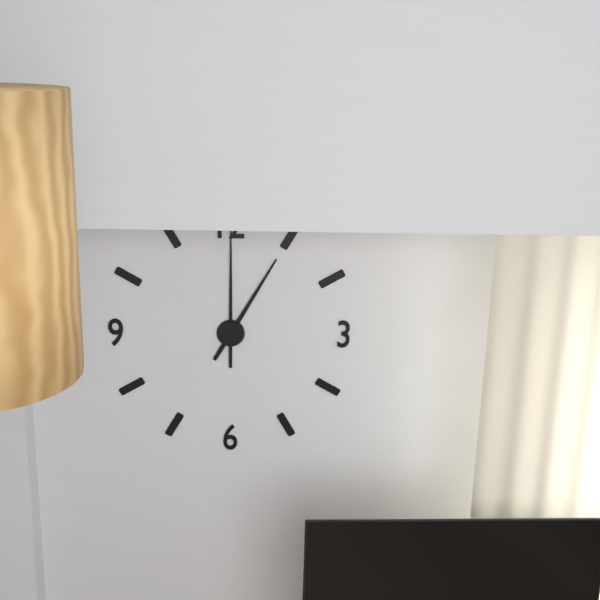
{"hour": 1, "minute": 0}
